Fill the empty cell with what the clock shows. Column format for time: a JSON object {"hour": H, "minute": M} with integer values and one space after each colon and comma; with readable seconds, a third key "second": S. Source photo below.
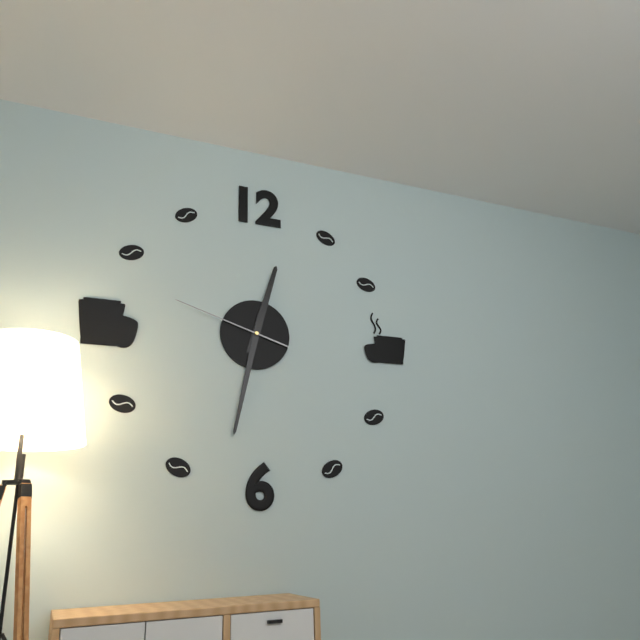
{"hour": 12, "minute": 32, "second": 48}
